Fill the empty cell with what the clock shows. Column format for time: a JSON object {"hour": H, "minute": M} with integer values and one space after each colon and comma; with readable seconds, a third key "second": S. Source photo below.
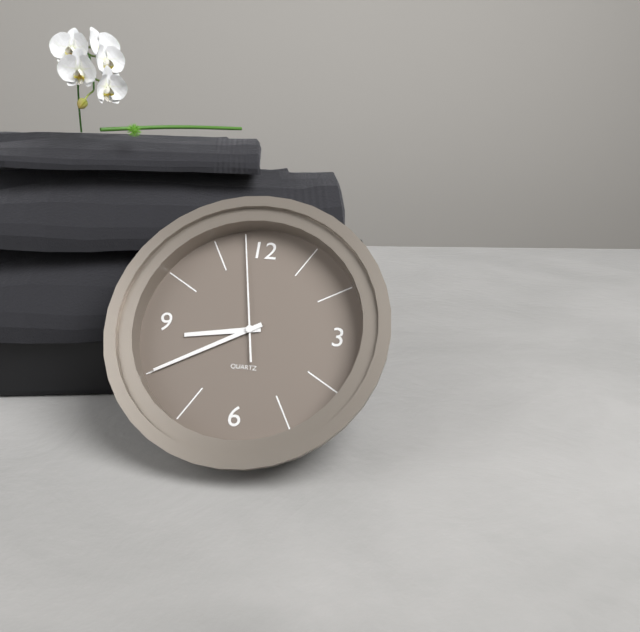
{"hour": 8, "minute": 40, "second": 58}
